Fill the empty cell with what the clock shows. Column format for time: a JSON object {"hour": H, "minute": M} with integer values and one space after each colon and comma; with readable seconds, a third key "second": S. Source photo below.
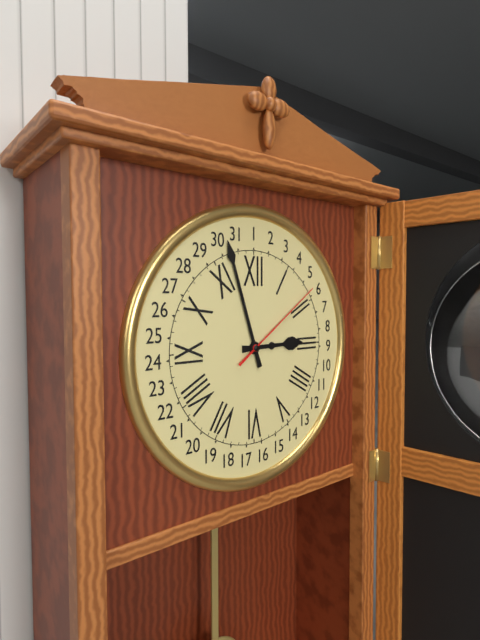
{"hour": 2, "minute": 57, "second": 9}
